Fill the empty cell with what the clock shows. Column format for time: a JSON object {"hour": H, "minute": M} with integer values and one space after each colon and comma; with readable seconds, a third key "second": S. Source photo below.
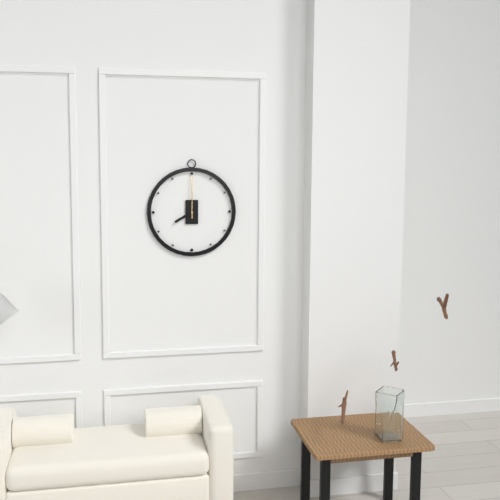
{"hour": 8, "minute": 0}
